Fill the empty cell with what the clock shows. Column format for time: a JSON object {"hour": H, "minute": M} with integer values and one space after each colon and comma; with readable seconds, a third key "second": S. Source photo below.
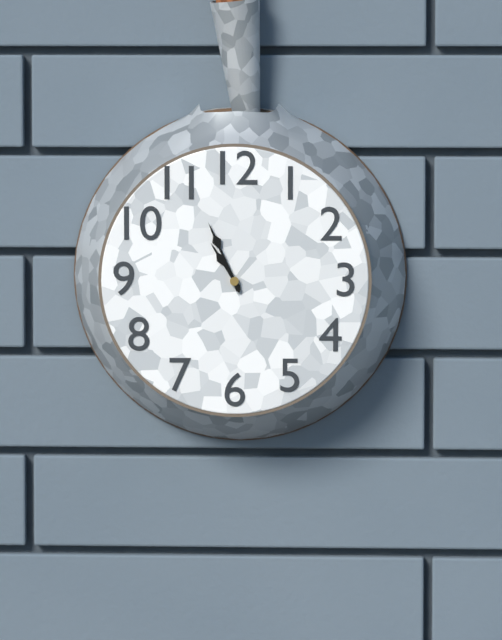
{"hour": 10, "minute": 56}
